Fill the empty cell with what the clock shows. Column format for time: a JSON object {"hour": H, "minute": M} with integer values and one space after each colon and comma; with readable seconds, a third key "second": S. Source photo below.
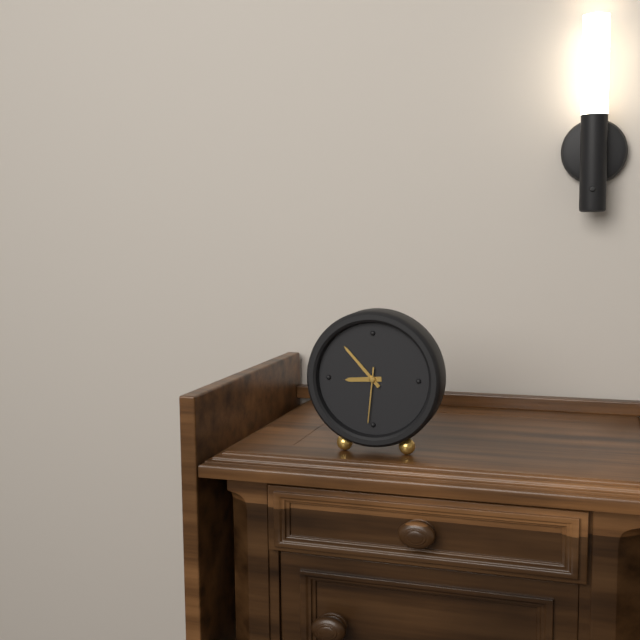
{"hour": 8, "minute": 53, "second": 31}
